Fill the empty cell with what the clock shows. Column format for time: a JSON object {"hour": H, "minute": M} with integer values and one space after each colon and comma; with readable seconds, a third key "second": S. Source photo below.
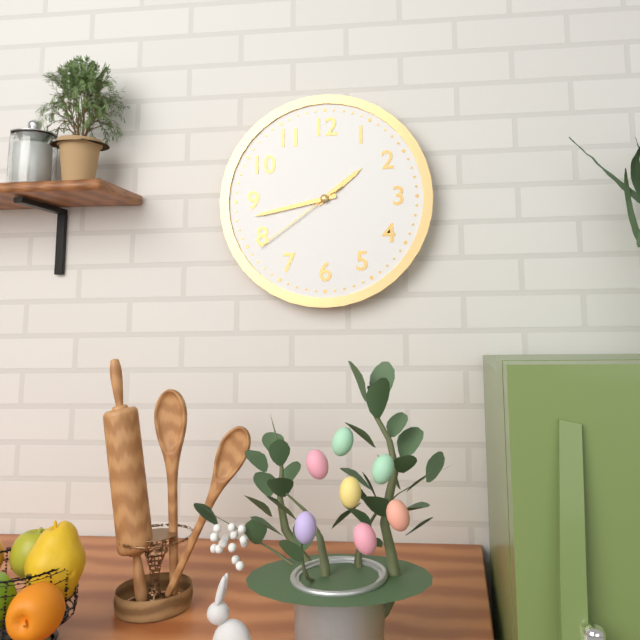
{"hour": 1, "minute": 43, "second": 39}
